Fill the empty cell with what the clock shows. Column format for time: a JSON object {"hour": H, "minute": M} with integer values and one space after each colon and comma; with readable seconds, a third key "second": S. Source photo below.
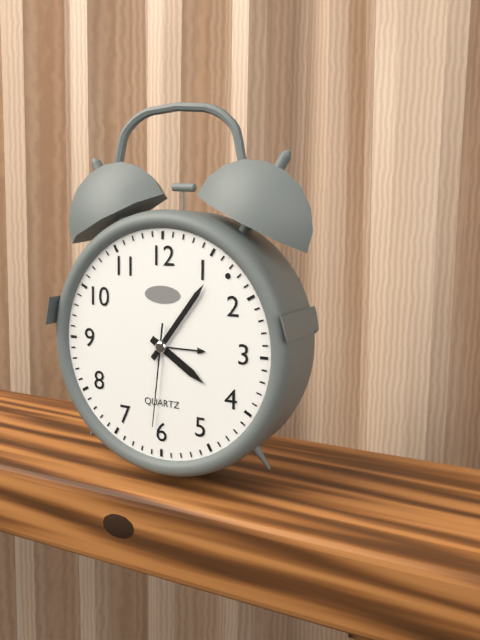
{"hour": 4, "minute": 6, "second": 31}
